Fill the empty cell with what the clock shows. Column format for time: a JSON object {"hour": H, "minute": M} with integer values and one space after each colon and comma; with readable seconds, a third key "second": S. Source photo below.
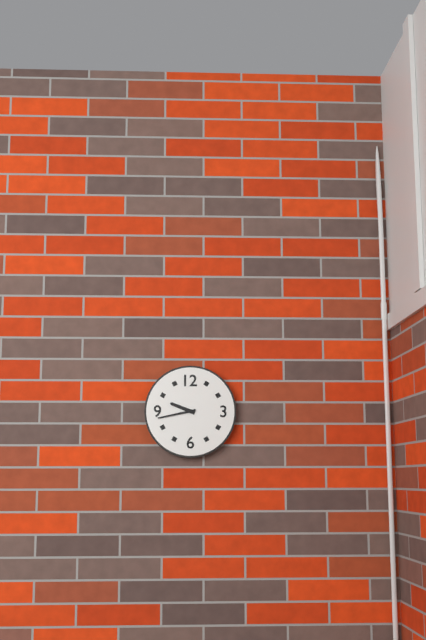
{"hour": 9, "minute": 43}
